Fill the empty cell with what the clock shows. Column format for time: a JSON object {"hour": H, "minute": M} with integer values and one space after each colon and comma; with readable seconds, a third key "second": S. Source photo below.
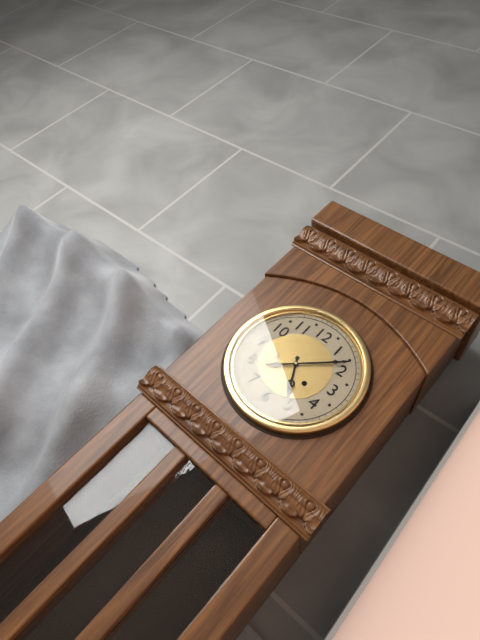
{"hour": 5, "minute": 8}
